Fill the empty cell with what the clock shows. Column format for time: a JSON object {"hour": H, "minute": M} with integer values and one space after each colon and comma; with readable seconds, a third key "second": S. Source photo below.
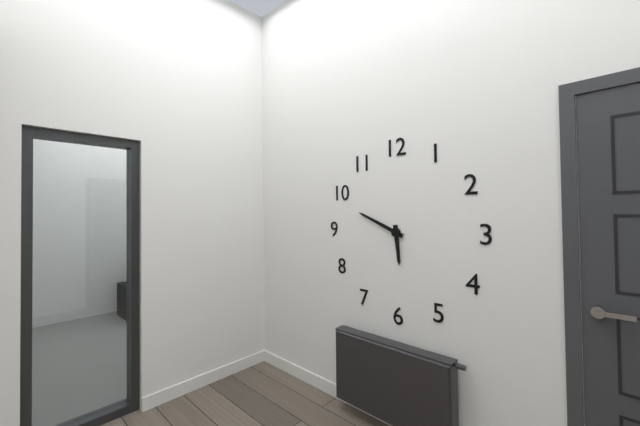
{"hour": 5, "minute": 49}
